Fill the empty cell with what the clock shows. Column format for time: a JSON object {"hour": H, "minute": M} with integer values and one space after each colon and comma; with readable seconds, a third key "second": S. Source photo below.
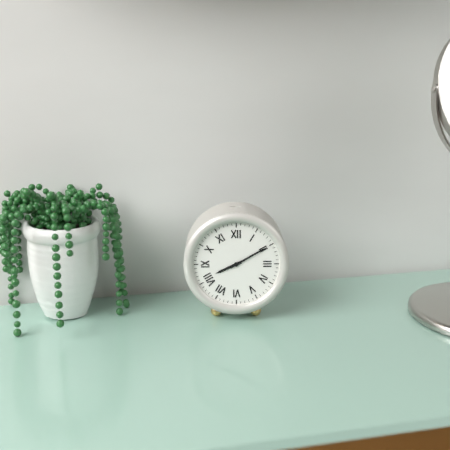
{"hour": 8, "minute": 10}
